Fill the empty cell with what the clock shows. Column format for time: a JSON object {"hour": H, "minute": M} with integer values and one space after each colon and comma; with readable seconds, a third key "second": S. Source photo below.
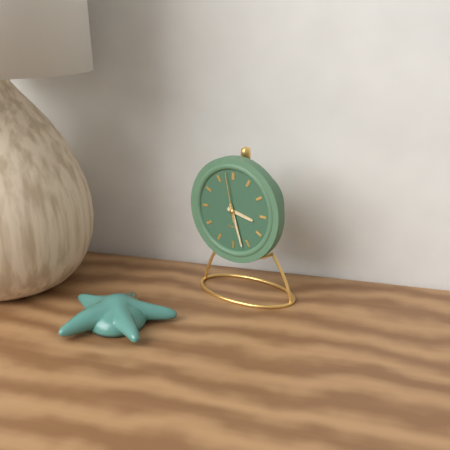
{"hour": 3, "minute": 27}
